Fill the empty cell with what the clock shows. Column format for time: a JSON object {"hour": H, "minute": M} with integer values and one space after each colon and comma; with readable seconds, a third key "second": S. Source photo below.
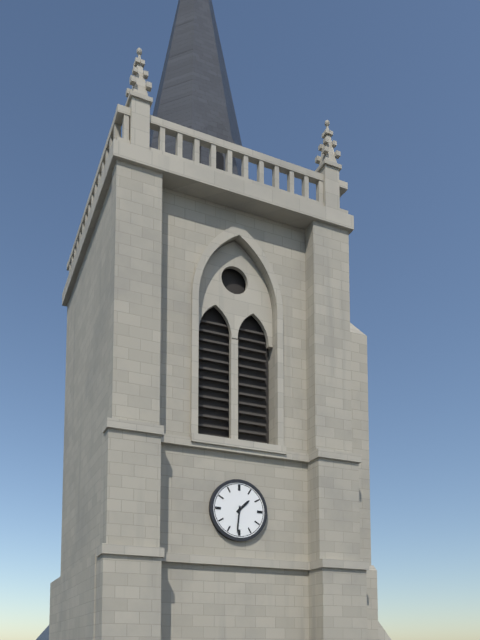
{"hour": 1, "minute": 31}
